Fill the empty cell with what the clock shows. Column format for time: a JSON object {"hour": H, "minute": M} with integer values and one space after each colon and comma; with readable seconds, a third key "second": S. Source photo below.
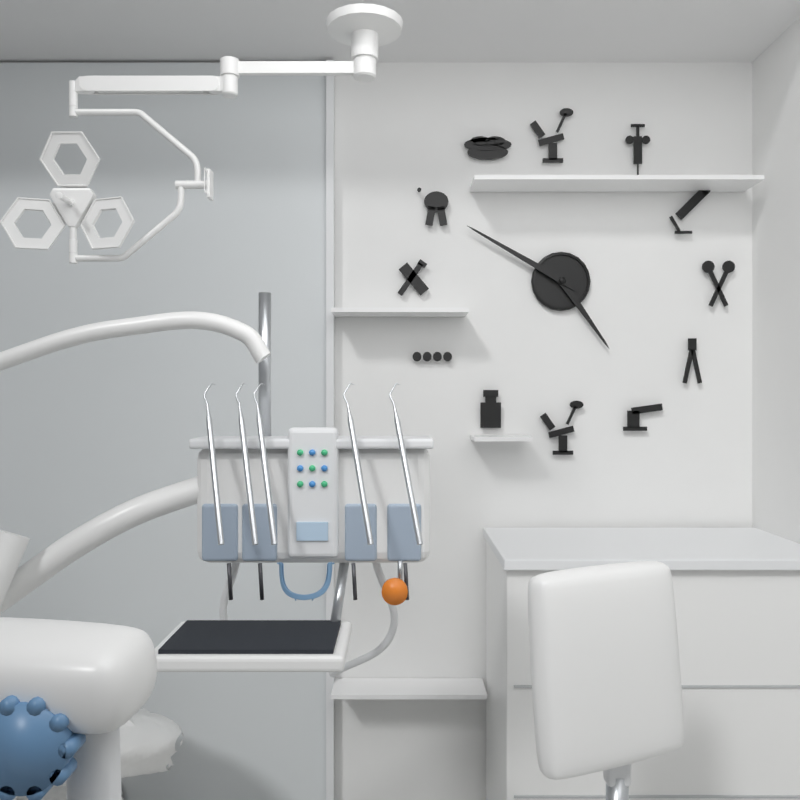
{"hour": 4, "minute": 50}
